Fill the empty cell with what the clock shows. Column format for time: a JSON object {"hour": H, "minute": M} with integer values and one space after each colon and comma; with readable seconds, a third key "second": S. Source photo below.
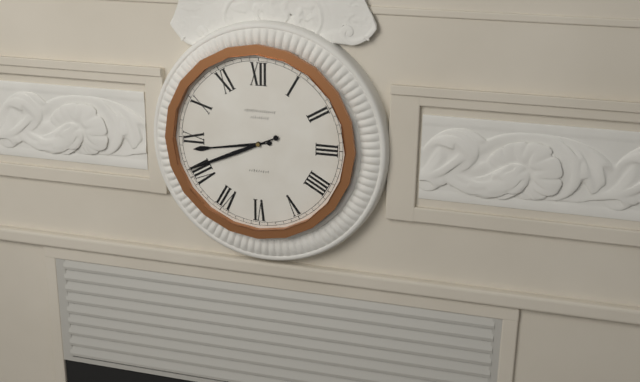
{"hour": 8, "minute": 41}
